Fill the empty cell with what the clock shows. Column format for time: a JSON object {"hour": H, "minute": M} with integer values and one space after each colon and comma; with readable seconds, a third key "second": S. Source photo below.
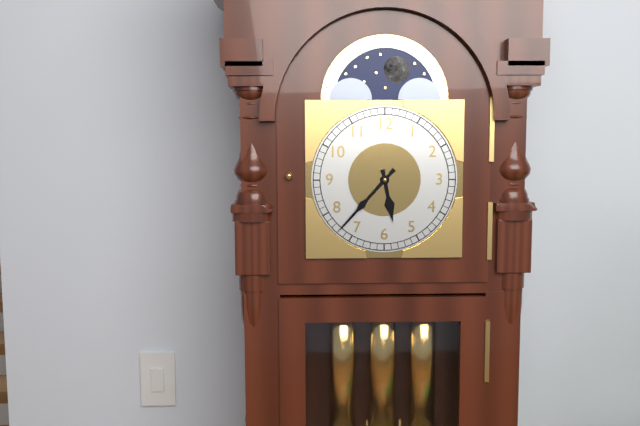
{"hour": 5, "minute": 37}
